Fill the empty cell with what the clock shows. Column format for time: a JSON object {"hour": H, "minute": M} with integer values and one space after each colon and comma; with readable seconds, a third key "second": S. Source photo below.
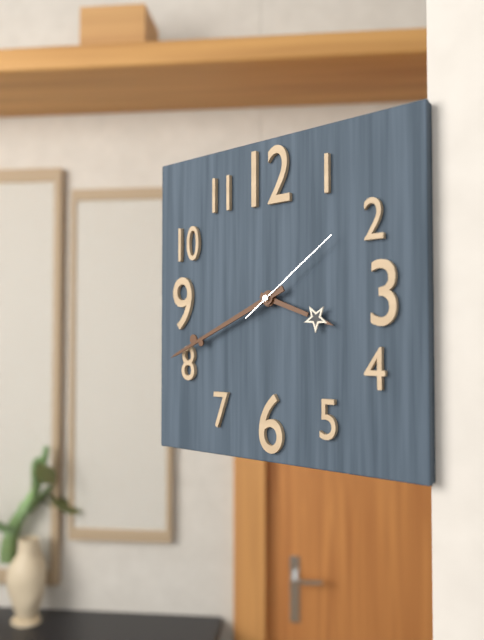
{"hour": 3, "minute": 41, "second": 9}
